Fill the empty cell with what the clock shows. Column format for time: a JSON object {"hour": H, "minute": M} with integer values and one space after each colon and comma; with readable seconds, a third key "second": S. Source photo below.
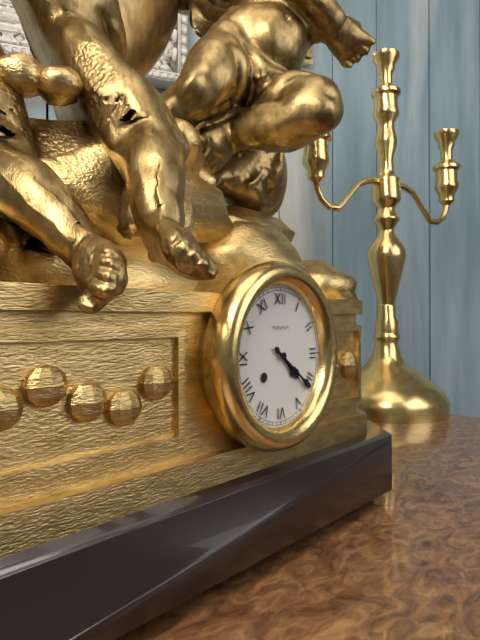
{"hour": 4, "minute": 21}
